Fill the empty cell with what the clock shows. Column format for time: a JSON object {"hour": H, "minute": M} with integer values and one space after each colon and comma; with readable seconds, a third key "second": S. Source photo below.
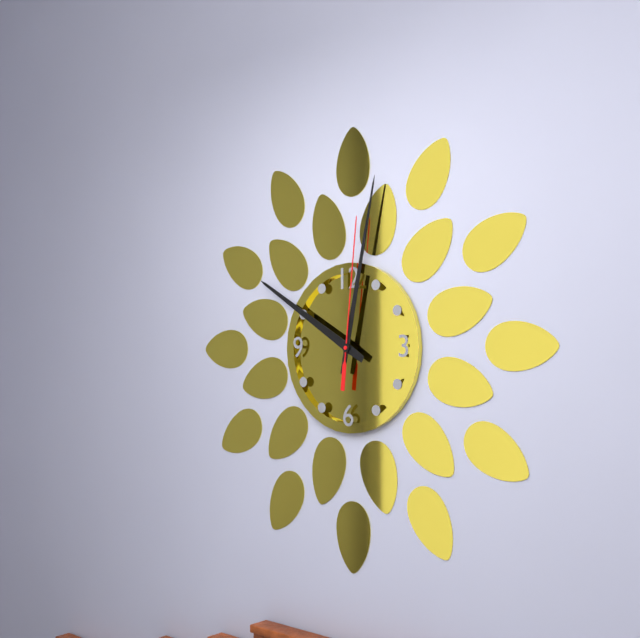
{"hour": 10, "minute": 2, "second": 1}
